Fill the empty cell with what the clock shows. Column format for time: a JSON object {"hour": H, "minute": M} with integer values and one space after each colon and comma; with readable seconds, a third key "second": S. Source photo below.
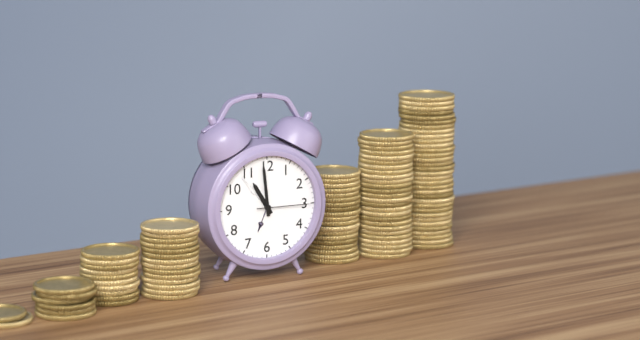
{"hour": 10, "minute": 59, "second": 15}
